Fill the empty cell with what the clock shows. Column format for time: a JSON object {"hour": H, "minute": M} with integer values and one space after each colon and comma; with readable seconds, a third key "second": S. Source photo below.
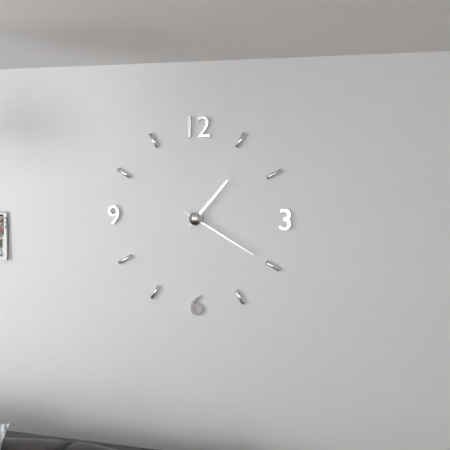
{"hour": 1, "minute": 20}
